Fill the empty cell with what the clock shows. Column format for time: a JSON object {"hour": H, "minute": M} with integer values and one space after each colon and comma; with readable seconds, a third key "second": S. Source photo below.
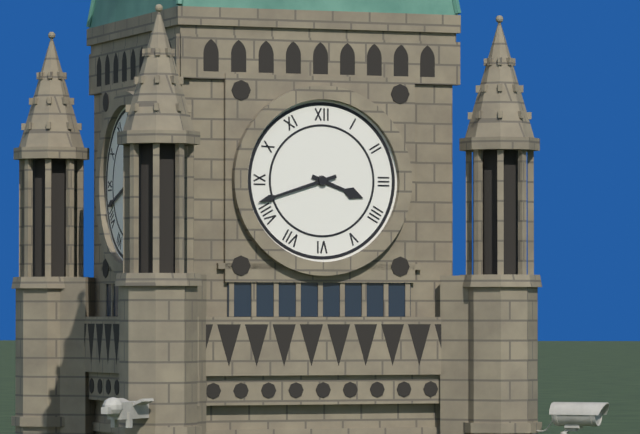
{"hour": 3, "minute": 42}
